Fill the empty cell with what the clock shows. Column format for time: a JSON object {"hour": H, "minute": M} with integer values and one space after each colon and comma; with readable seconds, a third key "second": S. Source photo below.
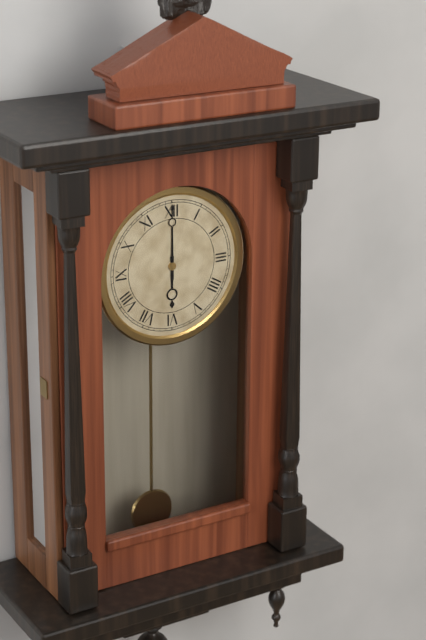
{"hour": 6, "minute": 0}
